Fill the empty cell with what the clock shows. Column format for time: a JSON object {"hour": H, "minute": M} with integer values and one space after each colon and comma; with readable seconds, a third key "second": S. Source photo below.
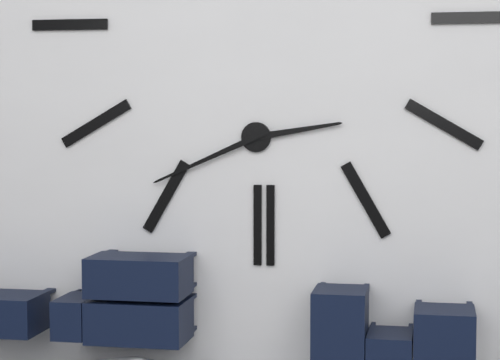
{"hour": 2, "minute": 41}
